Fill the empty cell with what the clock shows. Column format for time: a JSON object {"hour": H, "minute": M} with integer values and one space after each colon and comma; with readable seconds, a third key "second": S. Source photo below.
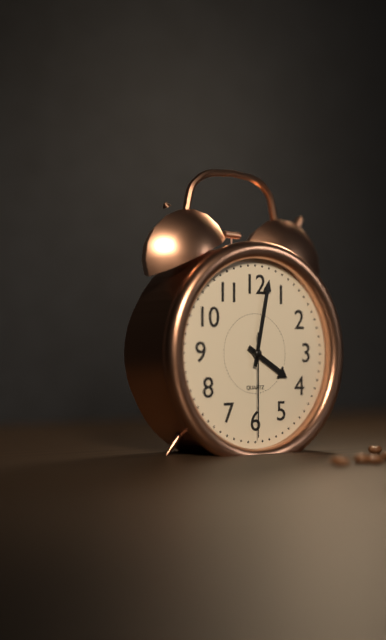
{"hour": 4, "minute": 2, "second": 30}
